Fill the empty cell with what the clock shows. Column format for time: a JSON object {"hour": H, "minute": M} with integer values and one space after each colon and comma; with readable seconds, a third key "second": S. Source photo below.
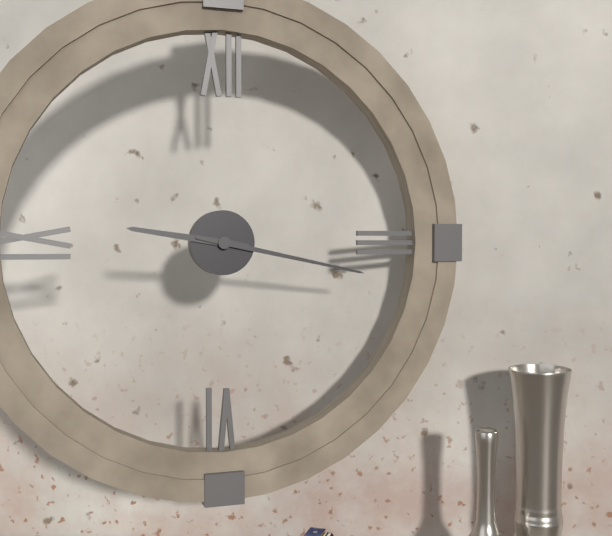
{"hour": 9, "minute": 17}
